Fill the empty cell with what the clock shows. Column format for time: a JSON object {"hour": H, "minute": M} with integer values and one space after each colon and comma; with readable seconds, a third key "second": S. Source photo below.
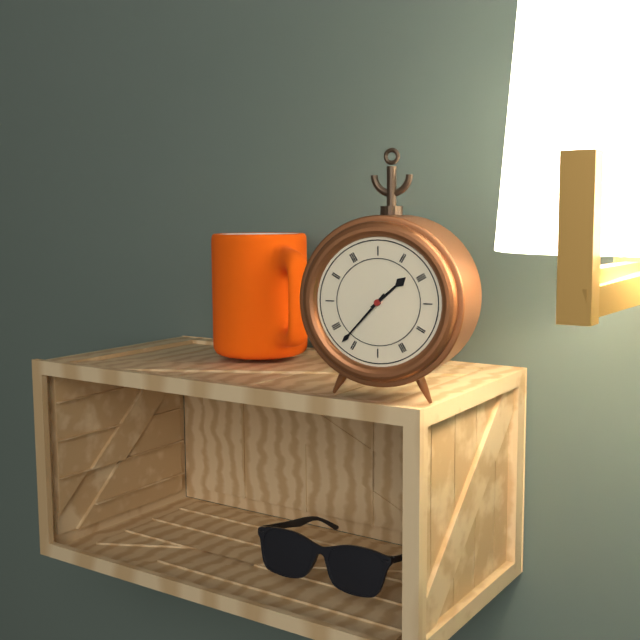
{"hour": 1, "minute": 37}
